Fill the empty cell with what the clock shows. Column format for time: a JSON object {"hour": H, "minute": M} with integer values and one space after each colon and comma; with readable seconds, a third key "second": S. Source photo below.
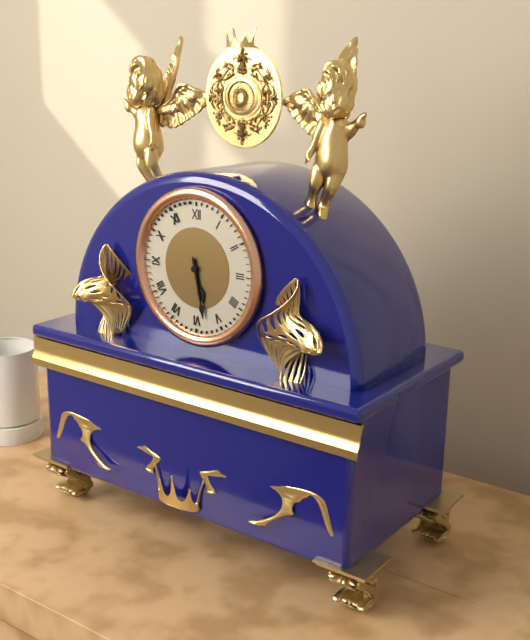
{"hour": 5, "minute": 28}
